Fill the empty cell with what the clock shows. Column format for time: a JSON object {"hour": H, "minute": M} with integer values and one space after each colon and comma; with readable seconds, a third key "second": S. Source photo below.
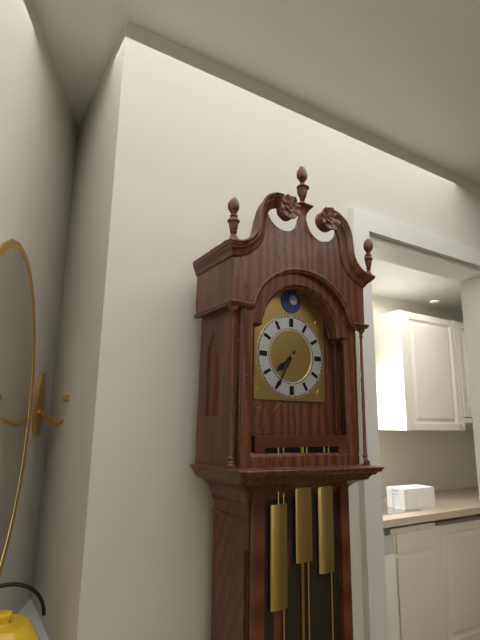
{"hour": 7, "minute": 35}
